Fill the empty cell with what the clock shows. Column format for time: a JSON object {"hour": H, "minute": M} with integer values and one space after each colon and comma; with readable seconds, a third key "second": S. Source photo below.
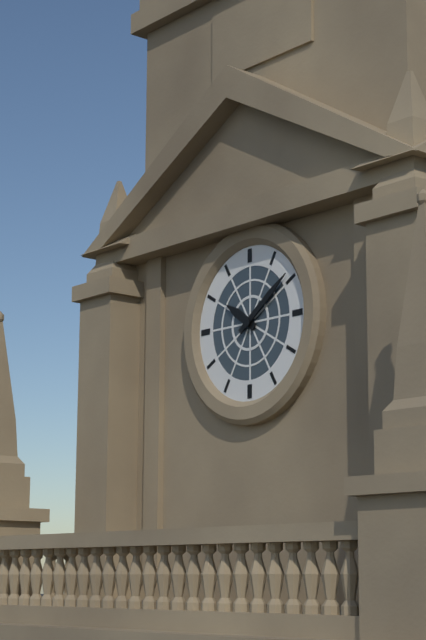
{"hour": 10, "minute": 9}
